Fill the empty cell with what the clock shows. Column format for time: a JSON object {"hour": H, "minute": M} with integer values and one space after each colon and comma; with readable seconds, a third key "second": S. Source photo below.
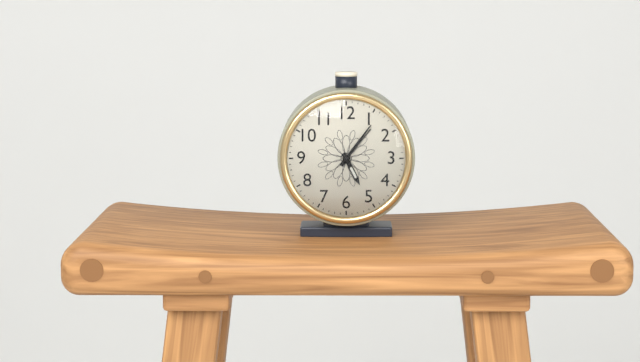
{"hour": 5, "minute": 6}
